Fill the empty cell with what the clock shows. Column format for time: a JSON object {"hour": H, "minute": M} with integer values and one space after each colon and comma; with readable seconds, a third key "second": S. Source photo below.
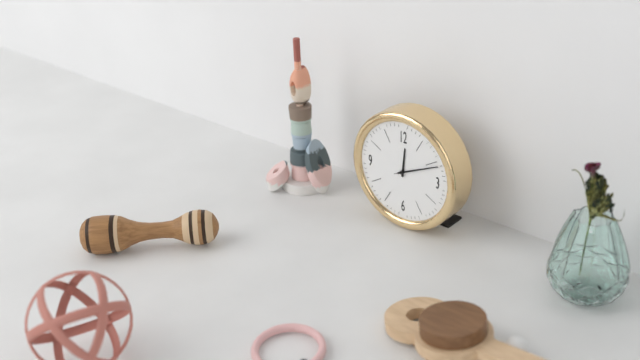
{"hour": 12, "minute": 11}
